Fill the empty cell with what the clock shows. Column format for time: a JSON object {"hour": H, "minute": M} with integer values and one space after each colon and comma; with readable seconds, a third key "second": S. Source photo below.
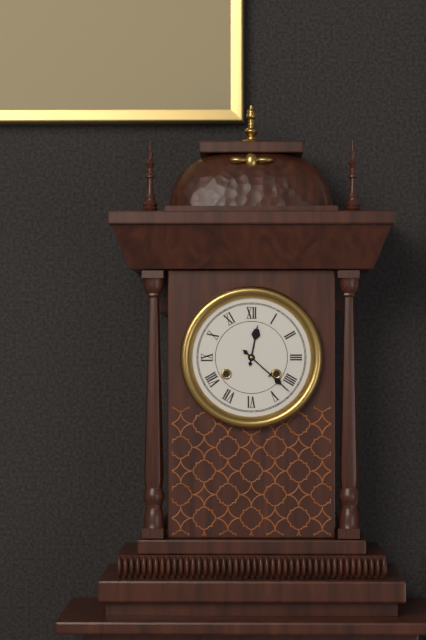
{"hour": 12, "minute": 22}
